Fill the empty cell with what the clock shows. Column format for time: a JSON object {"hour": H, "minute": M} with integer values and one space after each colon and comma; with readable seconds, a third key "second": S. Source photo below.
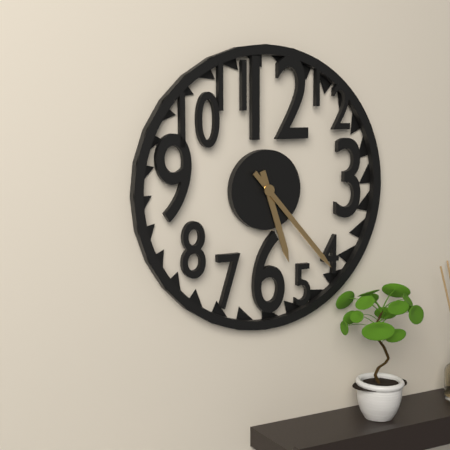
{"hour": 5, "minute": 23}
